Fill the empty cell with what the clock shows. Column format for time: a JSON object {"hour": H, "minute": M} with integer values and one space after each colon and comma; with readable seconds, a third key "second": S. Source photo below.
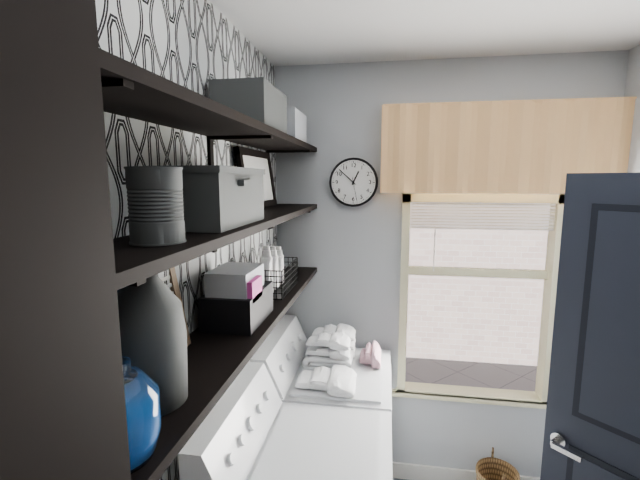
{"hour": 12, "minute": 52}
